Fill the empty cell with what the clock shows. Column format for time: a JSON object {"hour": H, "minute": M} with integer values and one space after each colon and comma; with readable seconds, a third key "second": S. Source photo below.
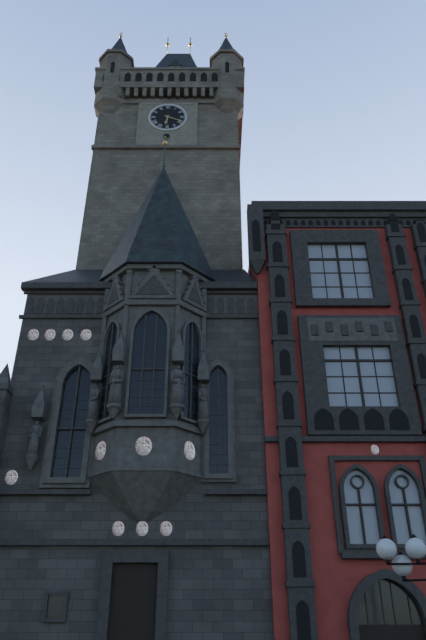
{"hour": 6, "minute": 19}
